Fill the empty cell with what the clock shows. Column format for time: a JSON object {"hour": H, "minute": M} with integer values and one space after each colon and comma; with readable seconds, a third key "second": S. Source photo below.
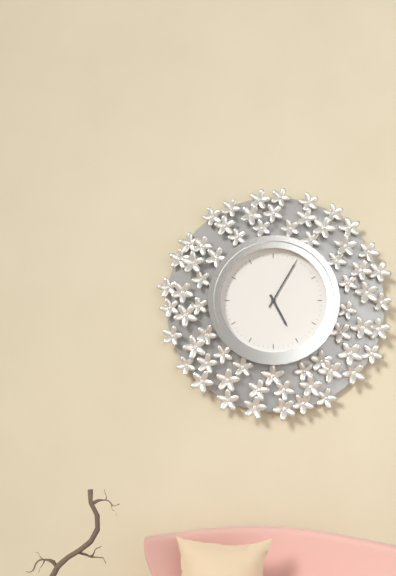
{"hour": 5, "minute": 5}
